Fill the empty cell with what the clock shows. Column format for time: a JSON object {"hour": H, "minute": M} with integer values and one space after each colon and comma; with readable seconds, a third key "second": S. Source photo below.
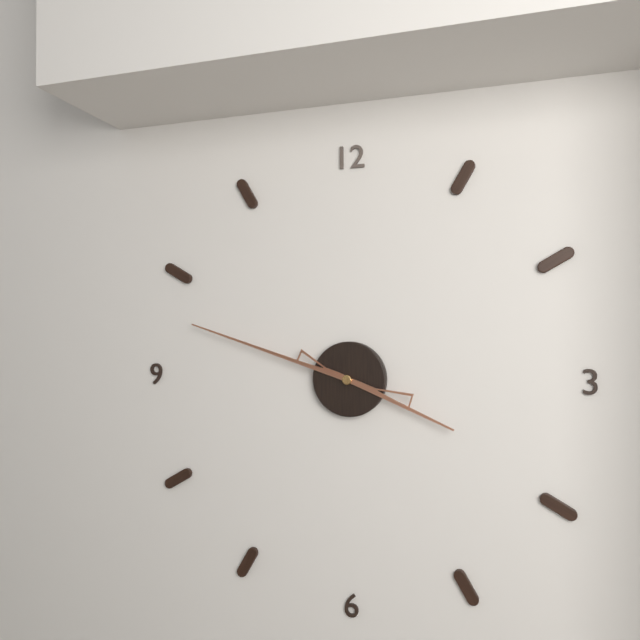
{"hour": 3, "minute": 48}
